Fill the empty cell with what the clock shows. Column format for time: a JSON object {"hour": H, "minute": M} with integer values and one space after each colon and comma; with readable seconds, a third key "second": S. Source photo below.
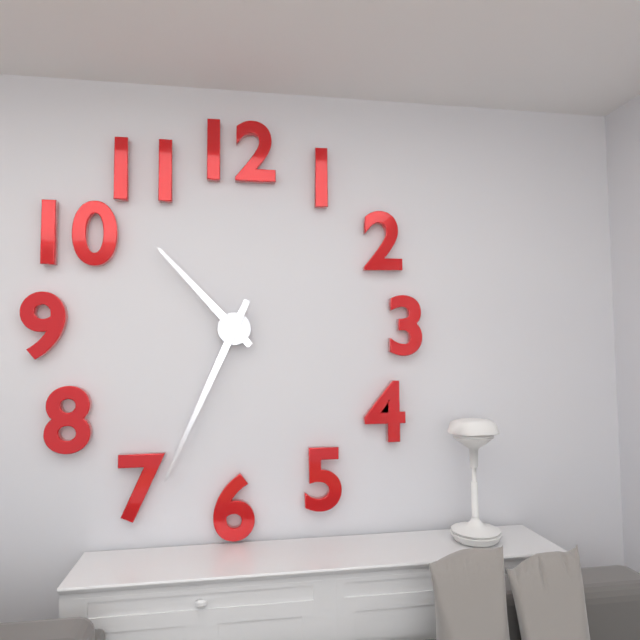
{"hour": 10, "minute": 34}
